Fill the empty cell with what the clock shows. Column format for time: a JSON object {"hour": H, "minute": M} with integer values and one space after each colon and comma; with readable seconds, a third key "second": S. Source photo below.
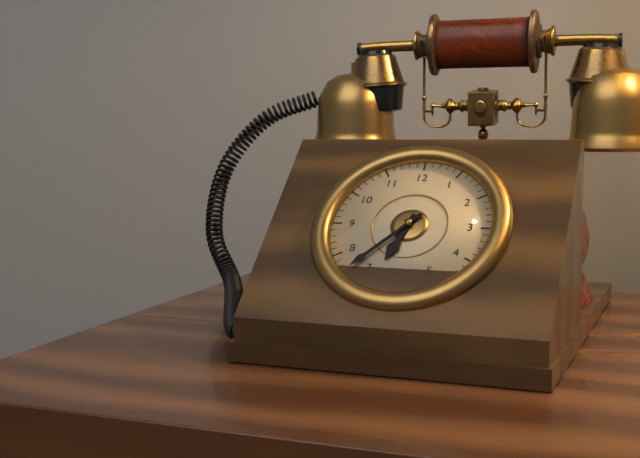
{"hour": 6, "minute": 37}
